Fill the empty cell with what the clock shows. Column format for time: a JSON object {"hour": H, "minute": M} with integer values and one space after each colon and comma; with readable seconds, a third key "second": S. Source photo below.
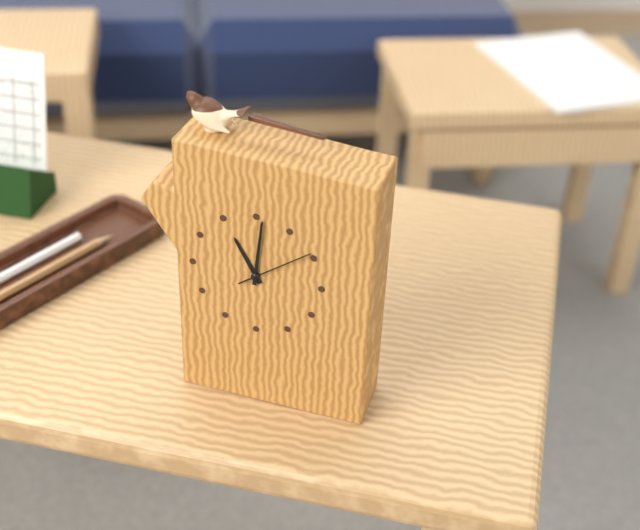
{"hour": 11, "minute": 1, "second": 9}
